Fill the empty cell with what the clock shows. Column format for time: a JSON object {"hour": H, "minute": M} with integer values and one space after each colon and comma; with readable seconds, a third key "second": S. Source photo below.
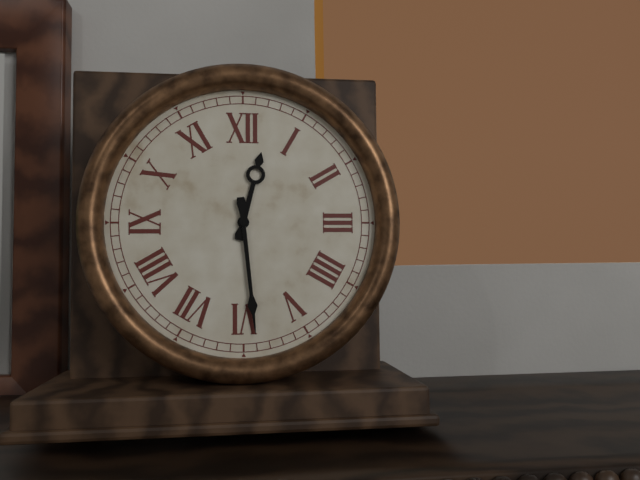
{"hour": 12, "minute": 29}
